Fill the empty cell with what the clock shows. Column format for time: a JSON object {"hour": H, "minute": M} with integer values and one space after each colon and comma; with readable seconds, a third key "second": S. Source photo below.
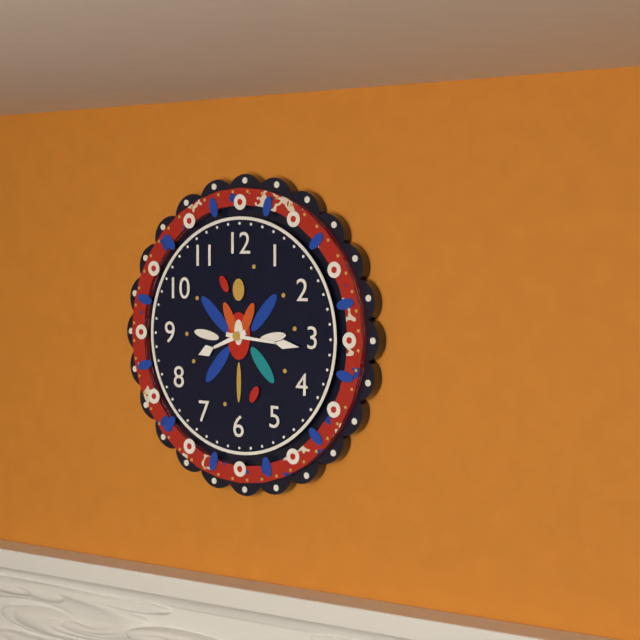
{"hour": 8, "minute": 16}
